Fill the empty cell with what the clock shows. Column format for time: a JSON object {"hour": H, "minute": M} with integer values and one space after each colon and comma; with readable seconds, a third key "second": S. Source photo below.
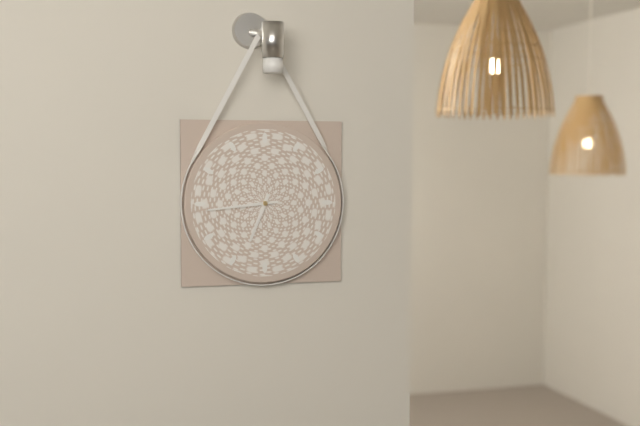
{"hour": 6, "minute": 44}
